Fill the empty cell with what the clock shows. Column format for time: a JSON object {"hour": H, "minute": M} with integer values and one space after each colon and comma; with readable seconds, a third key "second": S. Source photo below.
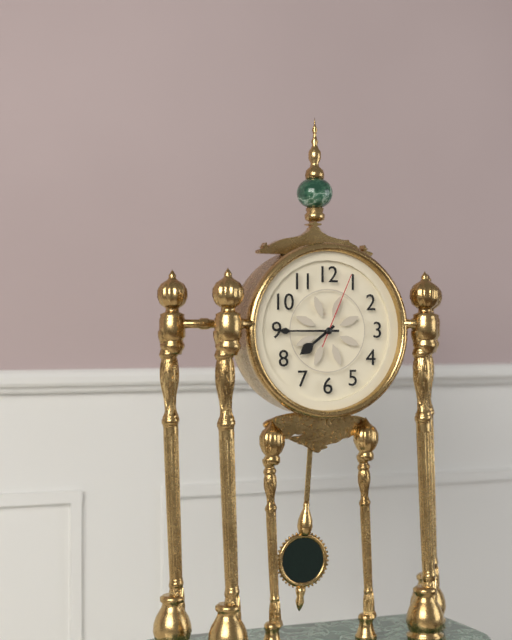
{"hour": 7, "minute": 45, "second": 4}
